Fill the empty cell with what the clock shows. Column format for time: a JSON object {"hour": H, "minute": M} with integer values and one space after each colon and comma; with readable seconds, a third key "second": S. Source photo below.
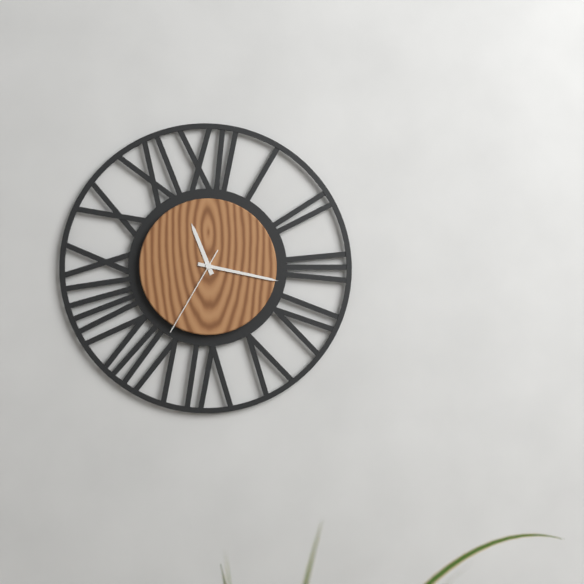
{"hour": 11, "minute": 17, "second": 35}
